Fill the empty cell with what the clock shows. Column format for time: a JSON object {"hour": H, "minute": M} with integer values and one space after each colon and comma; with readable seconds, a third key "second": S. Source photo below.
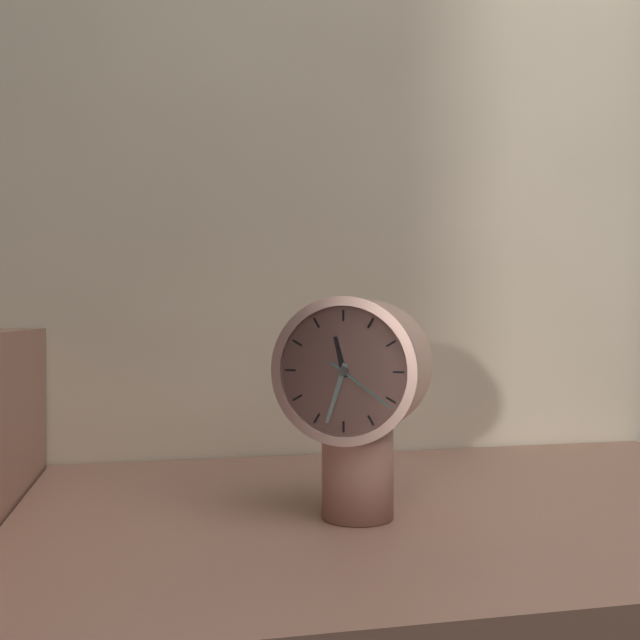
{"hour": 11, "minute": 33, "second": 21}
